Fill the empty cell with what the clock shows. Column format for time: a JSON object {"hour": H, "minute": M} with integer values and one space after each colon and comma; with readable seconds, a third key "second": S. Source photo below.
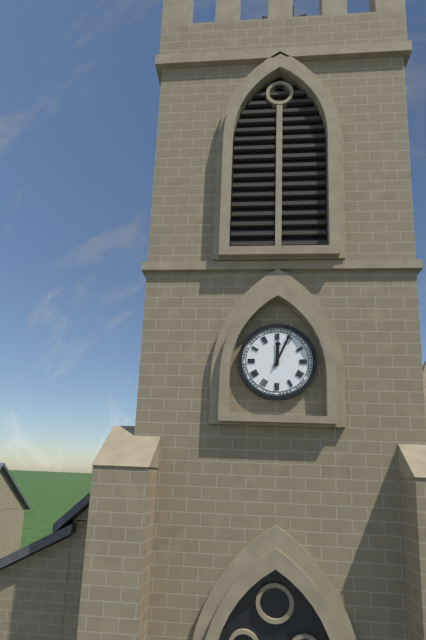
{"hour": 12, "minute": 4}
